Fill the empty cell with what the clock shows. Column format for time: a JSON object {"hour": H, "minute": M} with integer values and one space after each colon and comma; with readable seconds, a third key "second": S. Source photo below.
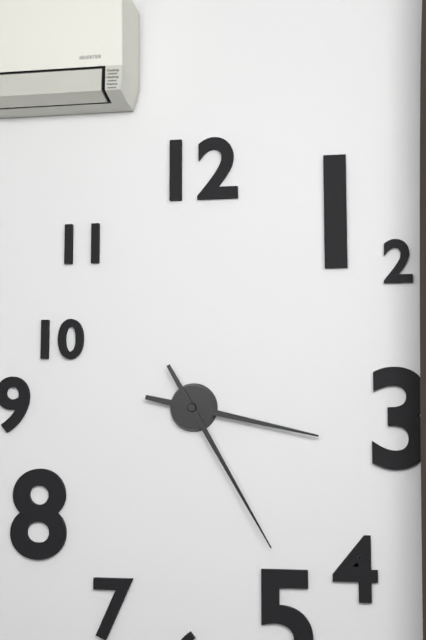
{"hour": 3, "minute": 25}
